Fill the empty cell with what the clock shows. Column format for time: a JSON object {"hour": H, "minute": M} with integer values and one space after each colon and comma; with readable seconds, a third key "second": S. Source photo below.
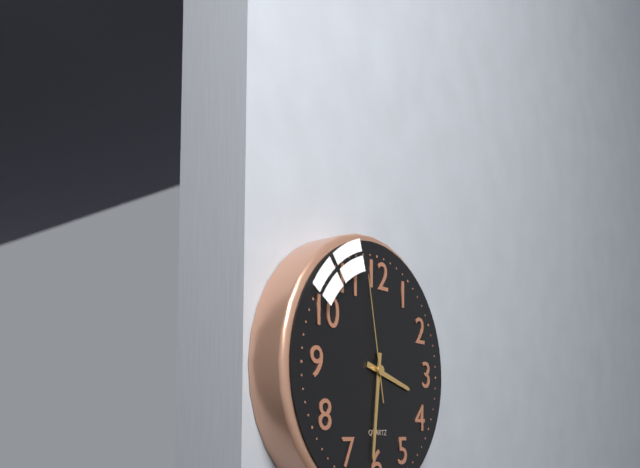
{"hour": 3, "minute": 31, "second": 58}
